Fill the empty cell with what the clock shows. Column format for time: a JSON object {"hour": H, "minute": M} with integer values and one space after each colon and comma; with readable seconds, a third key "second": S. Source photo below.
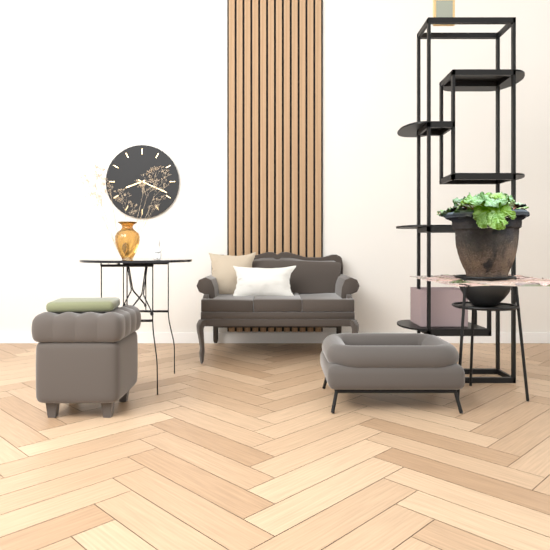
{"hour": 8, "minute": 19}
